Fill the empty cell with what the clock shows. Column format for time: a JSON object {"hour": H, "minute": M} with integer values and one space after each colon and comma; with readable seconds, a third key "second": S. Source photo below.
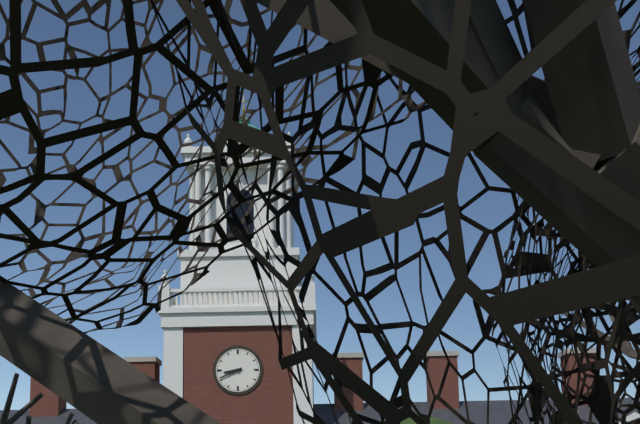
{"hour": 8, "minute": 41}
